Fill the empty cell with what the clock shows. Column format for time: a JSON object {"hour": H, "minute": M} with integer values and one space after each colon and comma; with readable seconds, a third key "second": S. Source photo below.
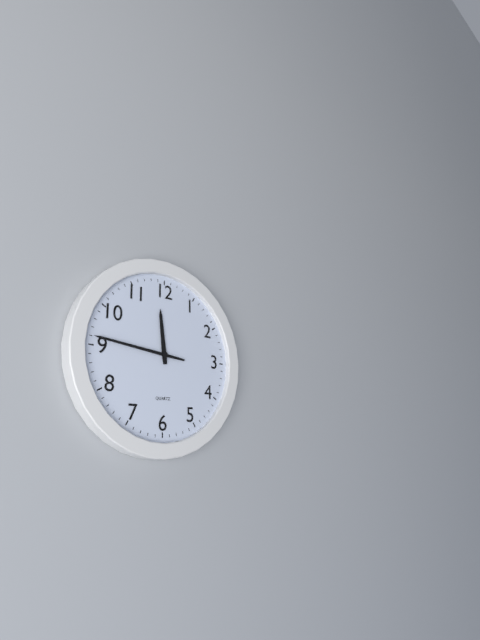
{"hour": 11, "minute": 46}
